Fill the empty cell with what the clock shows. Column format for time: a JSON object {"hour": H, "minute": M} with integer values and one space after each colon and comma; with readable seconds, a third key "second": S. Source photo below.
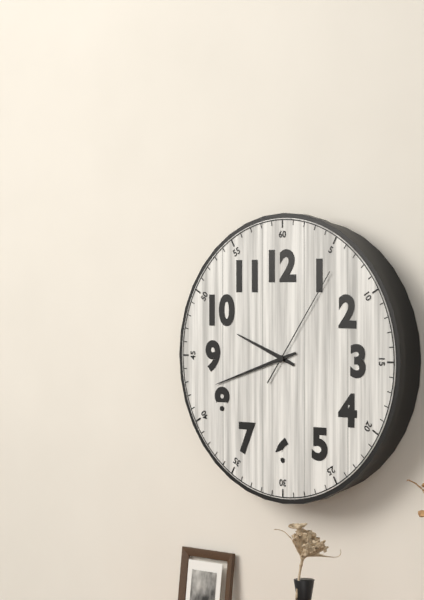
{"hour": 9, "minute": 42, "second": 6}
